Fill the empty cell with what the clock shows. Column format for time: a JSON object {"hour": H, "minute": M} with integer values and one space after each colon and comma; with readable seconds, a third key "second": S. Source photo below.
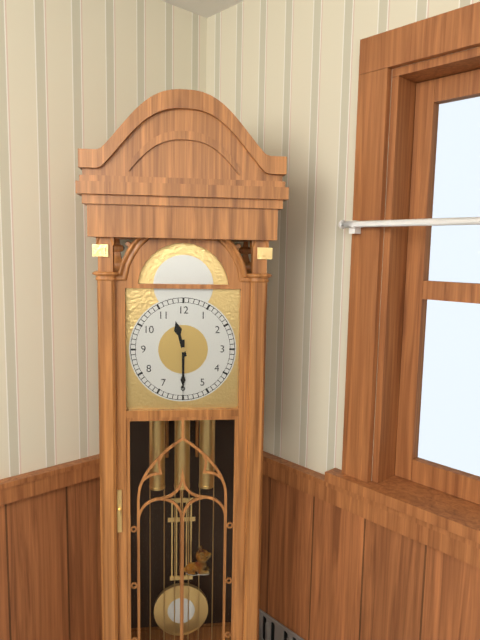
{"hour": 11, "minute": 30}
